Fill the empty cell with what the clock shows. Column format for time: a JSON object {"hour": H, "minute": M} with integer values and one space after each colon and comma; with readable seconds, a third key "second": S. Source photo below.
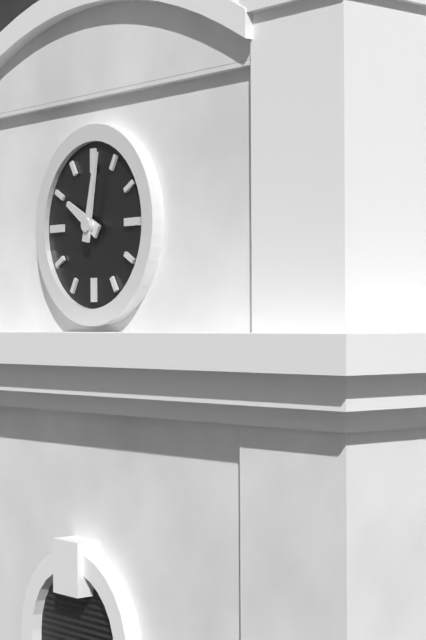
{"hour": 10, "minute": 2}
